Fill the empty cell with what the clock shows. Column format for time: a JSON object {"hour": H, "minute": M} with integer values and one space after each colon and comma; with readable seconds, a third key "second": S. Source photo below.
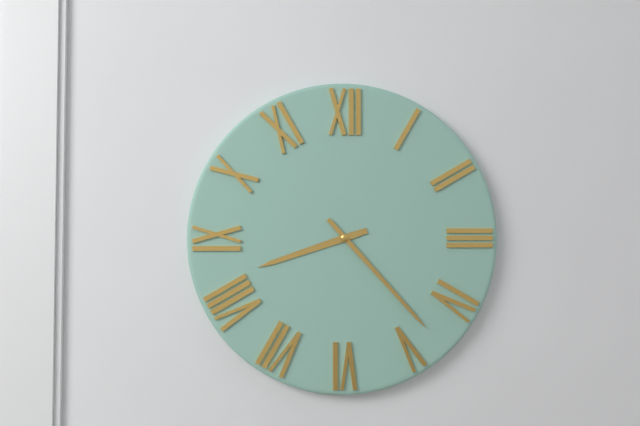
{"hour": 8, "minute": 23}
